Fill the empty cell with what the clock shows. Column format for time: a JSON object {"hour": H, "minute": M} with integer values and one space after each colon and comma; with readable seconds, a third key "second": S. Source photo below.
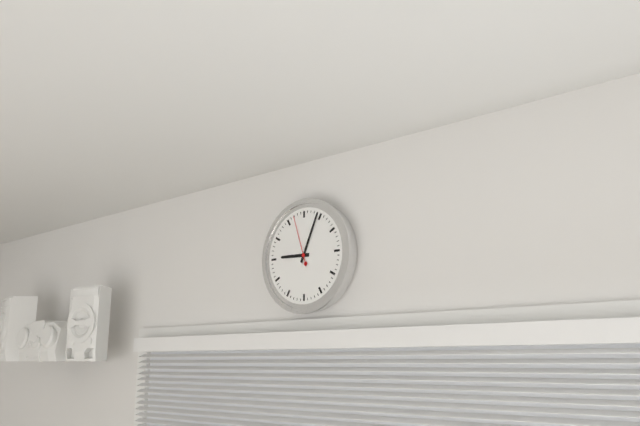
{"hour": 9, "minute": 4}
